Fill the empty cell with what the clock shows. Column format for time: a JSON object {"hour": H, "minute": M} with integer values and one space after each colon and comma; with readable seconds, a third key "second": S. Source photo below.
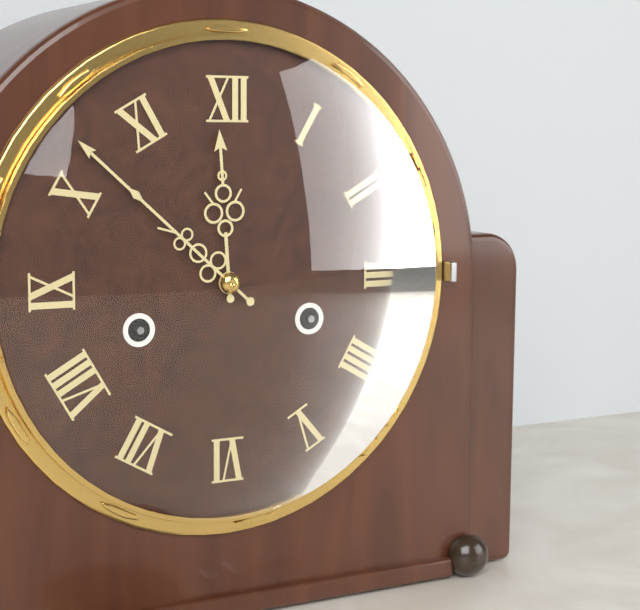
{"hour": 11, "minute": 52}
